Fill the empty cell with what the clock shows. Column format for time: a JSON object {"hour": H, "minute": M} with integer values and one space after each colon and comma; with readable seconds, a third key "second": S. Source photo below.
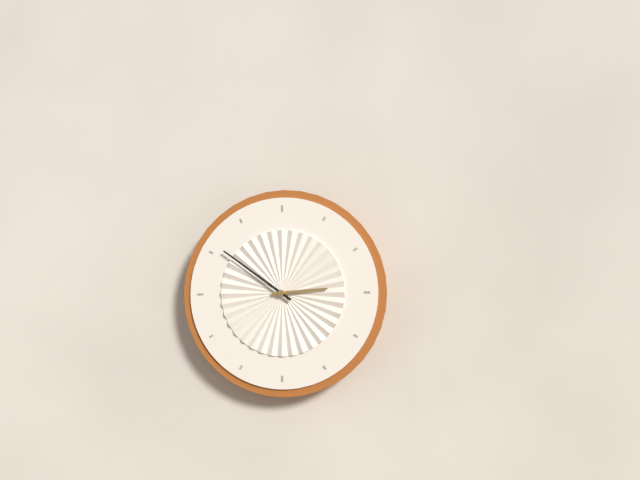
{"hour": 2, "minute": 51}
